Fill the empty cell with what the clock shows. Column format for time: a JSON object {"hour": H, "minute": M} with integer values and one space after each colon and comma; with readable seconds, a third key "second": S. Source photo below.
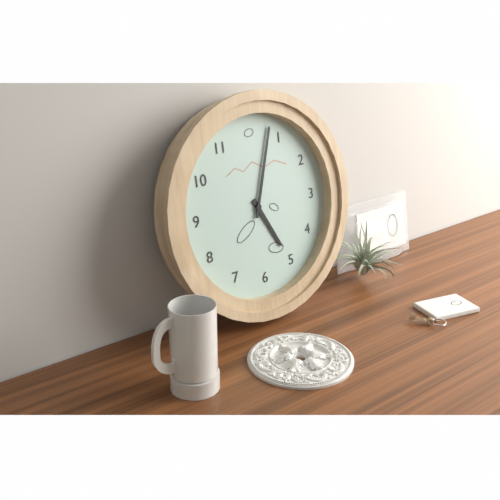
{"hour": 5, "minute": 3}
